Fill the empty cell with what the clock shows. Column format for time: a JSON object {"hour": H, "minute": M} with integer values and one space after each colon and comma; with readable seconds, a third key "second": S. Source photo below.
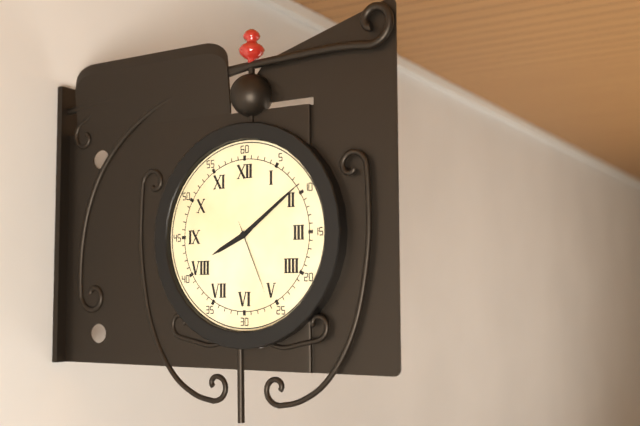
{"hour": 8, "minute": 9, "second": 26}
